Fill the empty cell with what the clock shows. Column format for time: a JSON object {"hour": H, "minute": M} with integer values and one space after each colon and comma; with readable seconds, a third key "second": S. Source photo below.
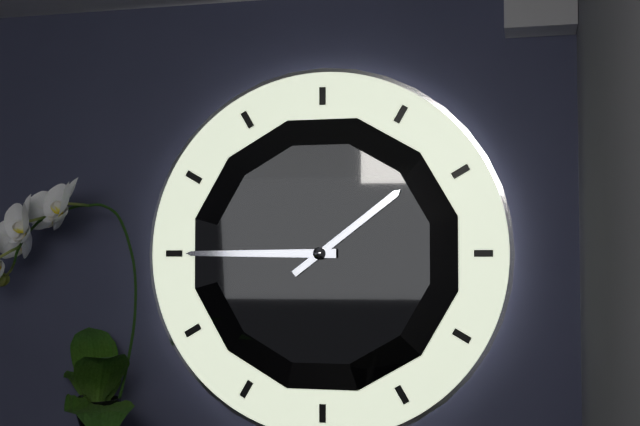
{"hour": 1, "minute": 45}
